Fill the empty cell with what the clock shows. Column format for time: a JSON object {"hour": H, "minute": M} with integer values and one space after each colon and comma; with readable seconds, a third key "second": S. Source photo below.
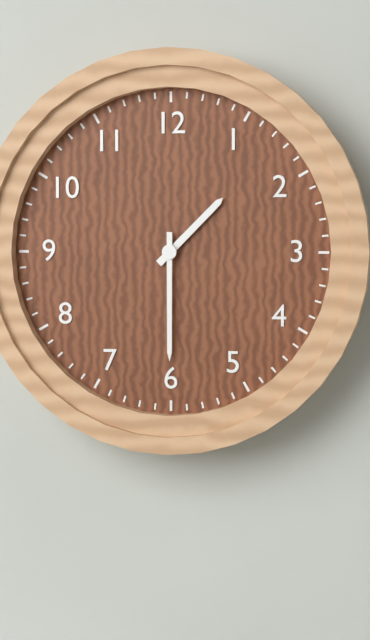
{"hour": 1, "minute": 30}
